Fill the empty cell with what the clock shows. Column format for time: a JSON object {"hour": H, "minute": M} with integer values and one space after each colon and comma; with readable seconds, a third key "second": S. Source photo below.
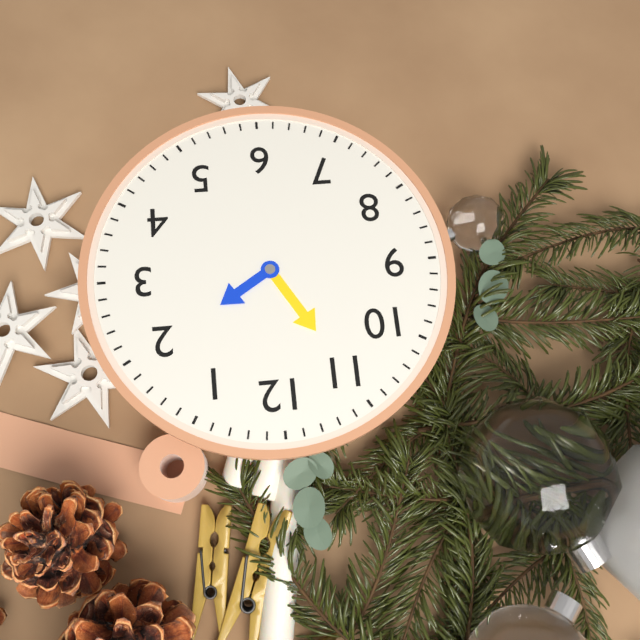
{"hour": 1, "minute": 55}
